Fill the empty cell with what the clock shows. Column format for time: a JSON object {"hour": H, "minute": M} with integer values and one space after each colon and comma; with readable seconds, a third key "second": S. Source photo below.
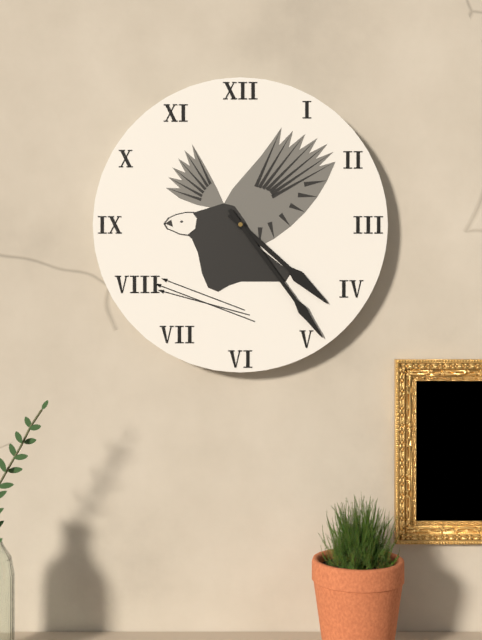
{"hour": 4, "minute": 24}
